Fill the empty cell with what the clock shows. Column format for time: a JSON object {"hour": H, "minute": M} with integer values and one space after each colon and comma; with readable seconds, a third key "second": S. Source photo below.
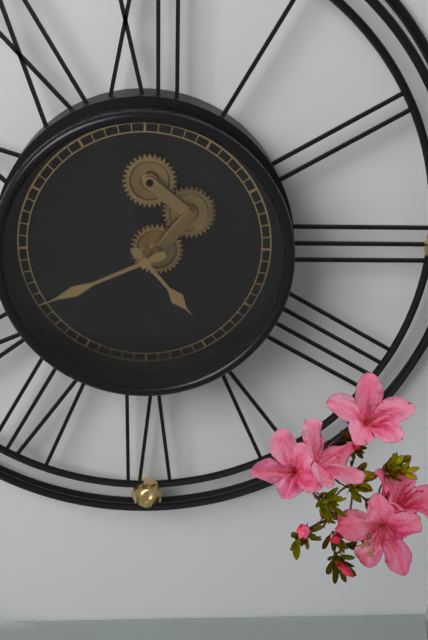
{"hour": 4, "minute": 41}
